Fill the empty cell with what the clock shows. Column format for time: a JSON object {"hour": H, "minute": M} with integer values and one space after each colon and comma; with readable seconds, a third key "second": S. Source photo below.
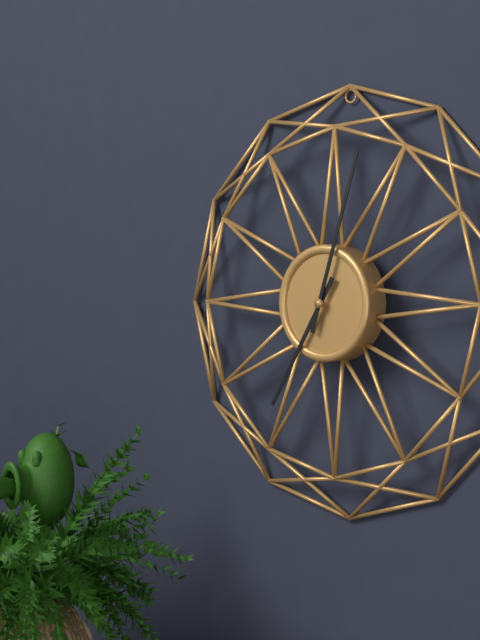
{"hour": 7, "minute": 3}
